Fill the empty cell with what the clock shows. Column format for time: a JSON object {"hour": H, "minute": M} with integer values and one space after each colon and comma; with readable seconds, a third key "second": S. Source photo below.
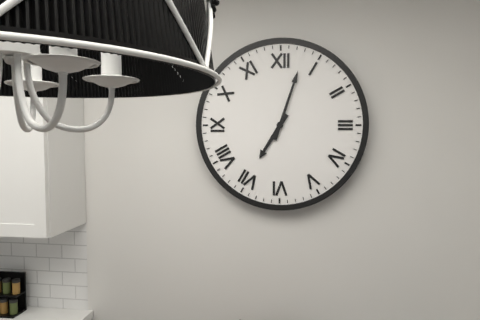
{"hour": 7, "minute": 3}
